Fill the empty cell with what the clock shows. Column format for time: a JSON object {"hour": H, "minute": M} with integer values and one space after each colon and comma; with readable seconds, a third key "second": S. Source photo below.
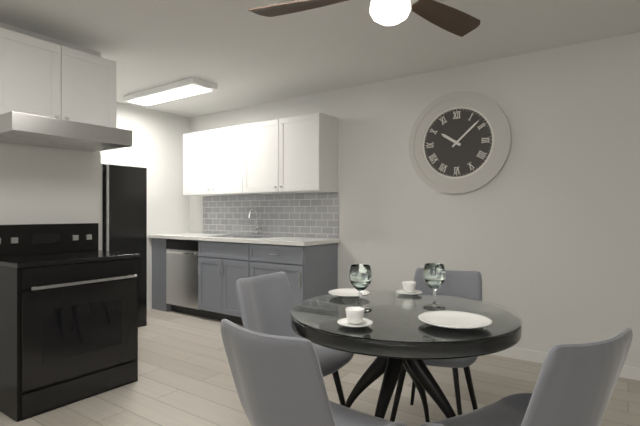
{"hour": 10, "minute": 8}
